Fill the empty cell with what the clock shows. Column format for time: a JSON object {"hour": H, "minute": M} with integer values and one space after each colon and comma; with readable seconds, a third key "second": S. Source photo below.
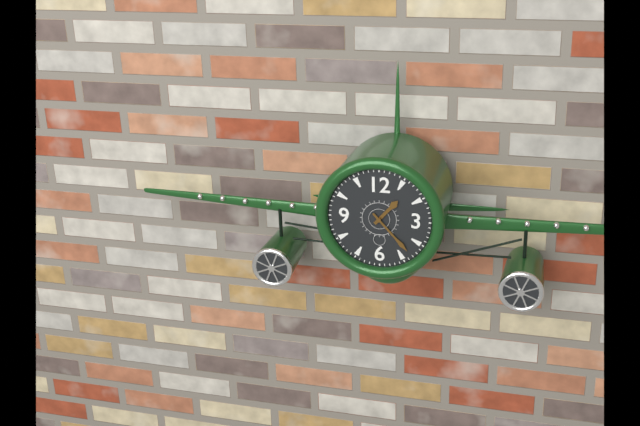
{"hour": 1, "minute": 23}
